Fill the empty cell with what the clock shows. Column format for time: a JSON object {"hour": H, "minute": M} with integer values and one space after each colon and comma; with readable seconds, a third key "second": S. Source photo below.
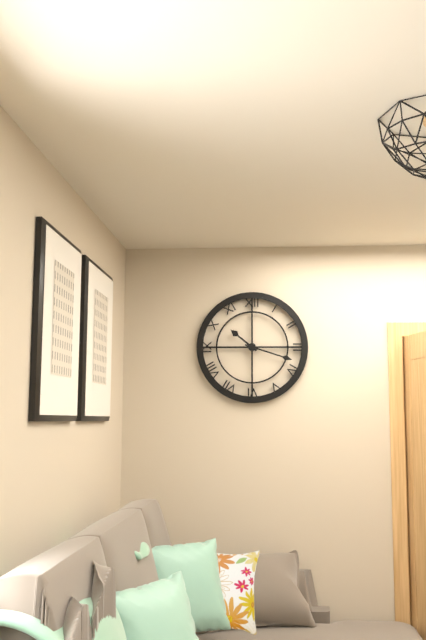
{"hour": 10, "minute": 18}
